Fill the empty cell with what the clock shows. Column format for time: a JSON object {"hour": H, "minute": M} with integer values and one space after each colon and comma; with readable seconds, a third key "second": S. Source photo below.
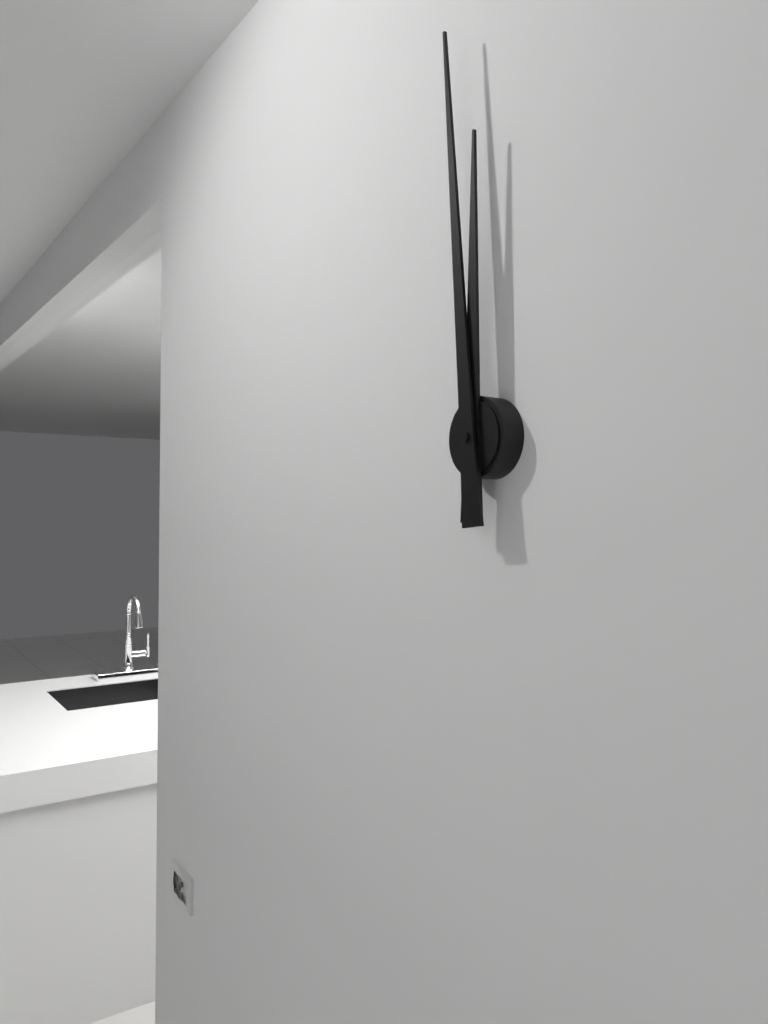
{"hour": 11, "minute": 59}
